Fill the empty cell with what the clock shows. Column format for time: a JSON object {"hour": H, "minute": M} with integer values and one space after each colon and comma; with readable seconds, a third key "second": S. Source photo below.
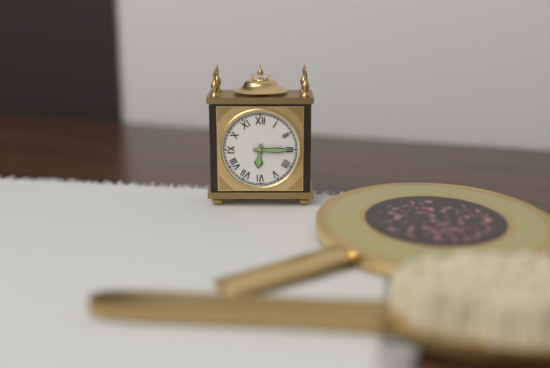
{"hour": 6, "minute": 15}
